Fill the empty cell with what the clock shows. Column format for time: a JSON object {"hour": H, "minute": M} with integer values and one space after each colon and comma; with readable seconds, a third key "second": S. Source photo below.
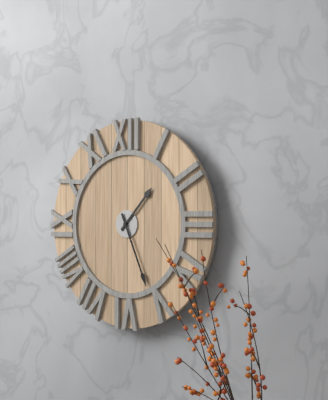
{"hour": 1, "minute": 26}
